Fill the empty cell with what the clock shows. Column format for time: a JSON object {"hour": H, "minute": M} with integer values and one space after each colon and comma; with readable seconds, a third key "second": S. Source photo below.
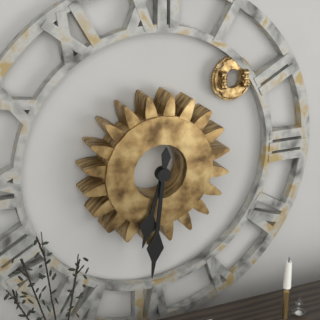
{"hour": 6, "minute": 31}
